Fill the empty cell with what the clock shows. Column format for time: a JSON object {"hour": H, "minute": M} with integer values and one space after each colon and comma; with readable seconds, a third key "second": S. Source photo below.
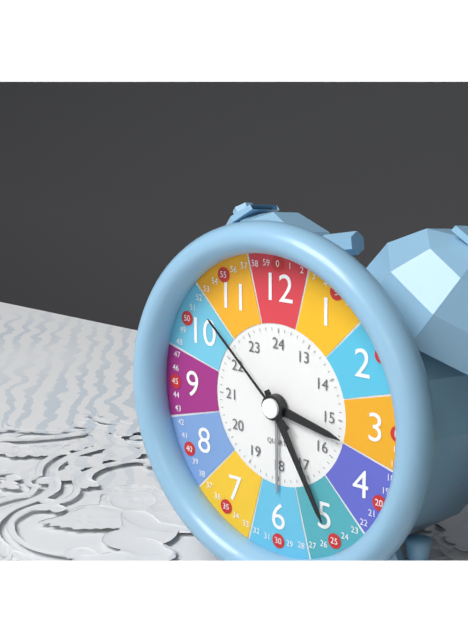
{"hour": 3, "minute": 25, "second": 52}
